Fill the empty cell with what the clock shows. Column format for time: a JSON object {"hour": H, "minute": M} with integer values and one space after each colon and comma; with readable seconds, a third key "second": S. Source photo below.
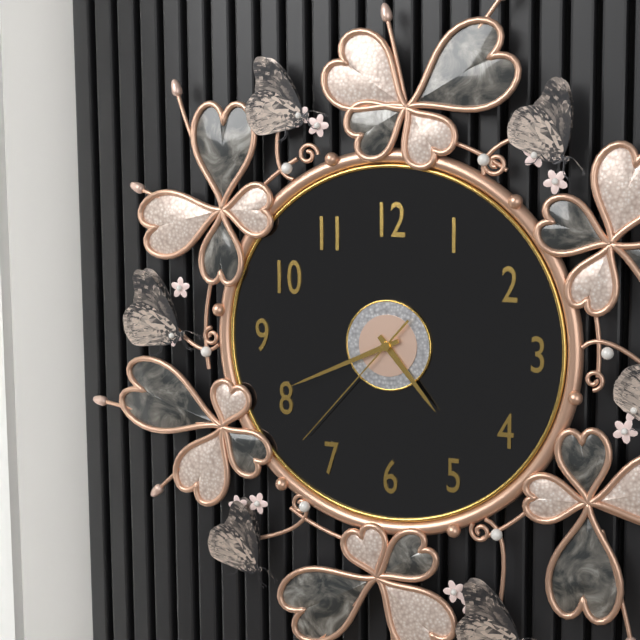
{"hour": 4, "minute": 41, "second": 37}
